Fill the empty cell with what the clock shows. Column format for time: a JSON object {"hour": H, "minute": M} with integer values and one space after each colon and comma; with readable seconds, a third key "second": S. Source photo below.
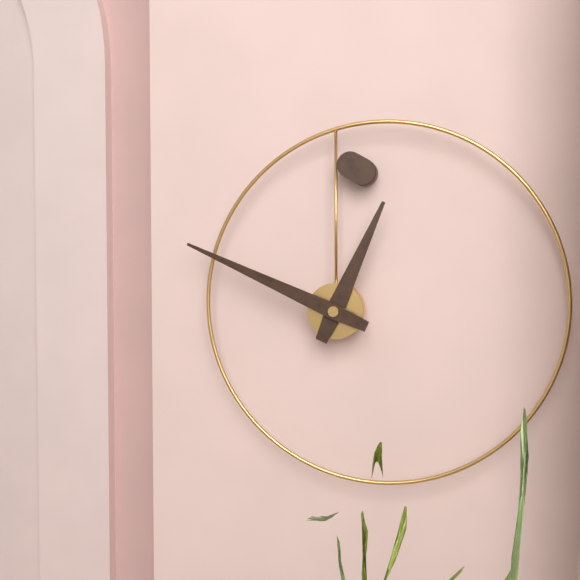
{"hour": 12, "minute": 49}
